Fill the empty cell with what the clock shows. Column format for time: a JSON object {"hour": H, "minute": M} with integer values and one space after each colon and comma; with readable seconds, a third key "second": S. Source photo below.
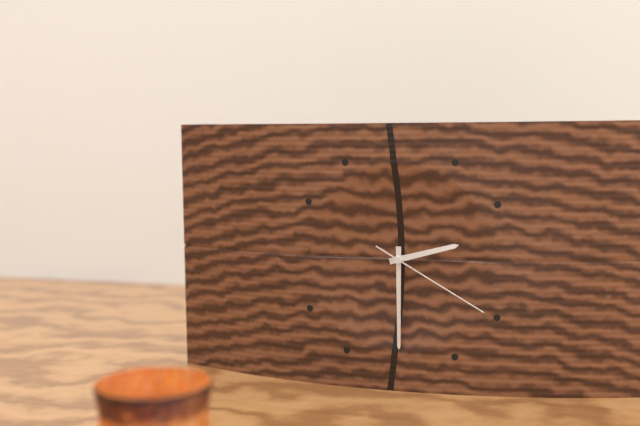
{"hour": 2, "minute": 30, "second": 20}
